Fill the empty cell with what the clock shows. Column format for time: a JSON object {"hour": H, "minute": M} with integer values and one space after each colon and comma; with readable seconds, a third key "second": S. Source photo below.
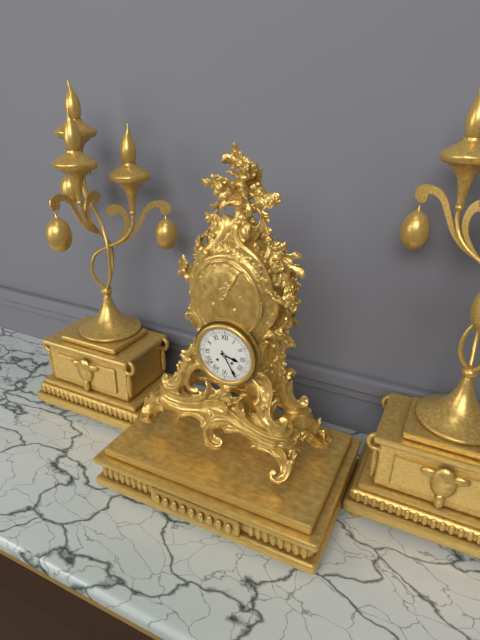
{"hour": 3, "minute": 25}
